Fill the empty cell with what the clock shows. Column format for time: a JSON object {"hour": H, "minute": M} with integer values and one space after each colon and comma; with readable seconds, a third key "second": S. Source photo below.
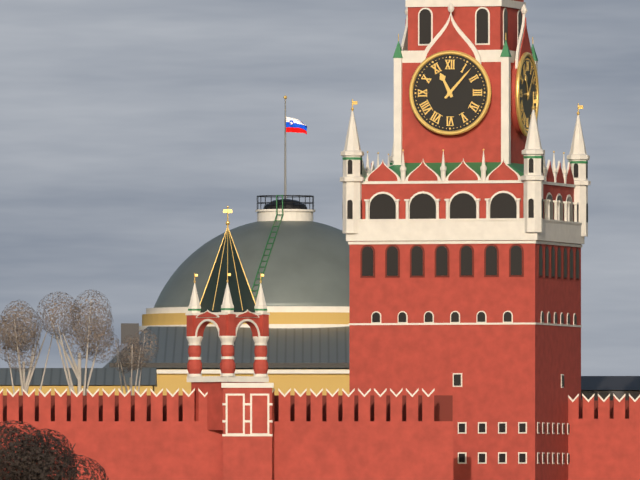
{"hour": 11, "minute": 7}
